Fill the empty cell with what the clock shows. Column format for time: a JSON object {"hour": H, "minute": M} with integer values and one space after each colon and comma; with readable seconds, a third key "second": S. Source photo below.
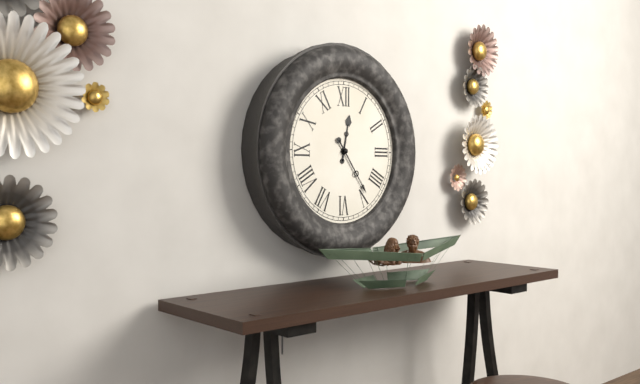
{"hour": 12, "minute": 24}
